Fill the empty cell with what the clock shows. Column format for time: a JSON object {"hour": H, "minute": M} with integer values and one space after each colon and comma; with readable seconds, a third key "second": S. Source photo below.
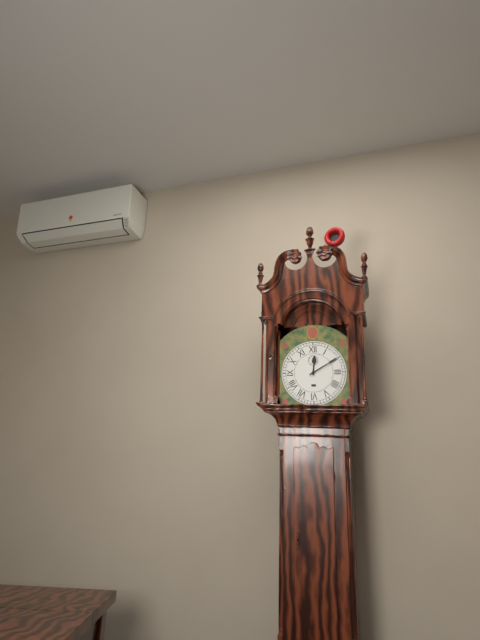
{"hour": 12, "minute": 10}
